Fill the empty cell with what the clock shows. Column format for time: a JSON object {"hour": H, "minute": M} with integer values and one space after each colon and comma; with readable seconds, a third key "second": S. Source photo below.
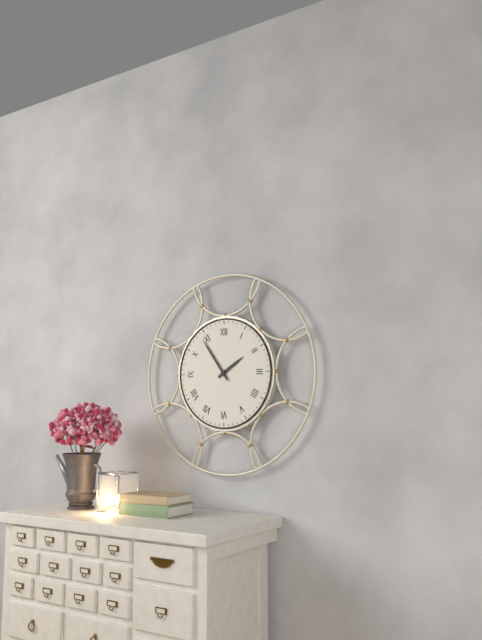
{"hour": 1, "minute": 54}
